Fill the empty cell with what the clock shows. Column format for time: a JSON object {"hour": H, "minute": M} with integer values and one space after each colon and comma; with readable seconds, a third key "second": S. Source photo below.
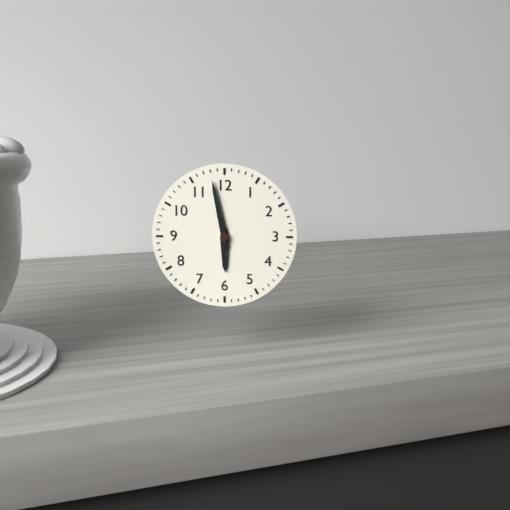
{"hour": 5, "minute": 58}
